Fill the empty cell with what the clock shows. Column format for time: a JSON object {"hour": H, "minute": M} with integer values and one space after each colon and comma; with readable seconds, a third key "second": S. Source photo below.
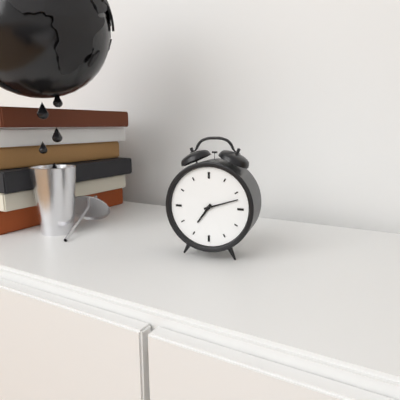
{"hour": 7, "minute": 12}
